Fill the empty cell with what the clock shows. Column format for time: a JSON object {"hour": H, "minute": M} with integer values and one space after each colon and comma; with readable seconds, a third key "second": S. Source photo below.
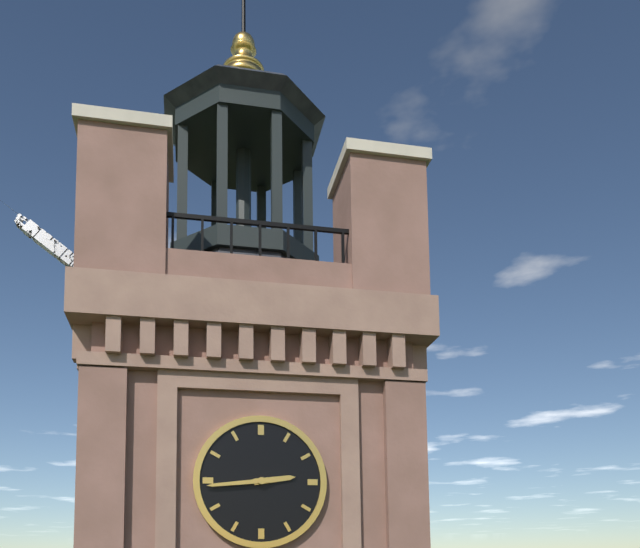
{"hour": 2, "minute": 44}
